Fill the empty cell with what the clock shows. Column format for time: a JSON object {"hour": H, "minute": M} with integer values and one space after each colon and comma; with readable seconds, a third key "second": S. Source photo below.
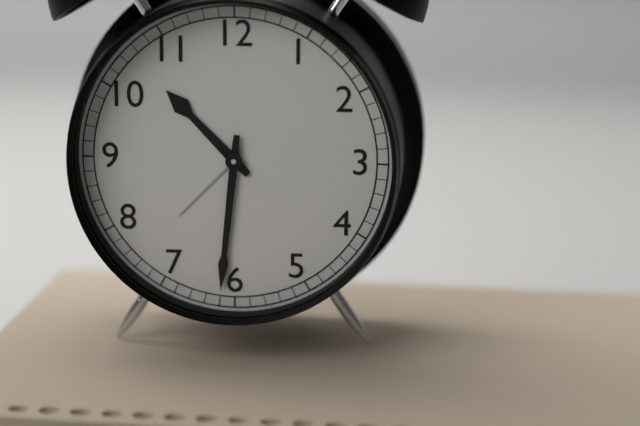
{"hour": 10, "minute": 31}
